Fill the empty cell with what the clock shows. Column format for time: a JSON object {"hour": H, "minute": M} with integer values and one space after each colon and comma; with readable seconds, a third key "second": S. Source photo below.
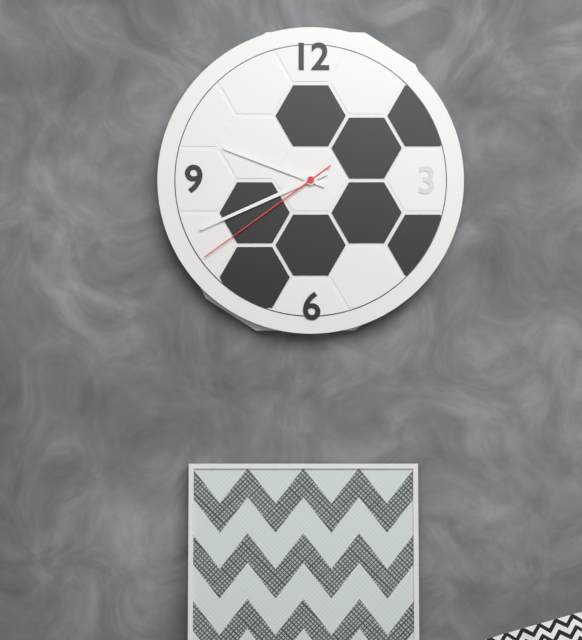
{"hour": 9, "minute": 41, "second": 39}
